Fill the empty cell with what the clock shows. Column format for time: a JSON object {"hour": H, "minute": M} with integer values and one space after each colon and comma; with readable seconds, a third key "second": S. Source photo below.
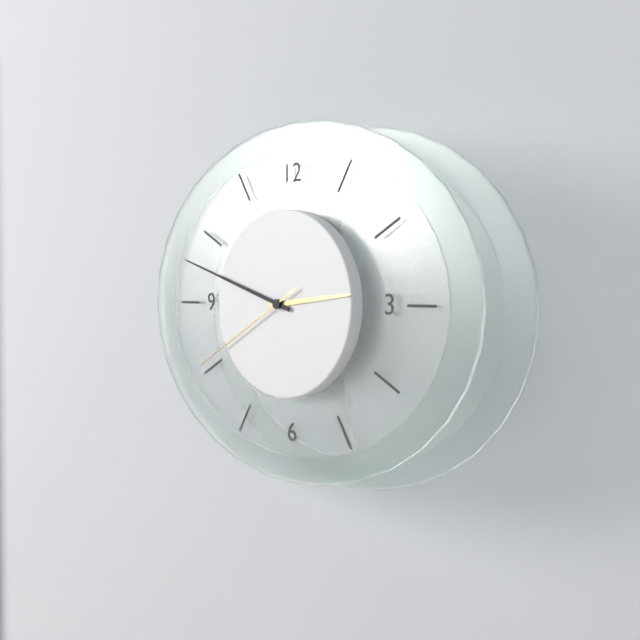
{"hour": 2, "minute": 48, "second": 40}
